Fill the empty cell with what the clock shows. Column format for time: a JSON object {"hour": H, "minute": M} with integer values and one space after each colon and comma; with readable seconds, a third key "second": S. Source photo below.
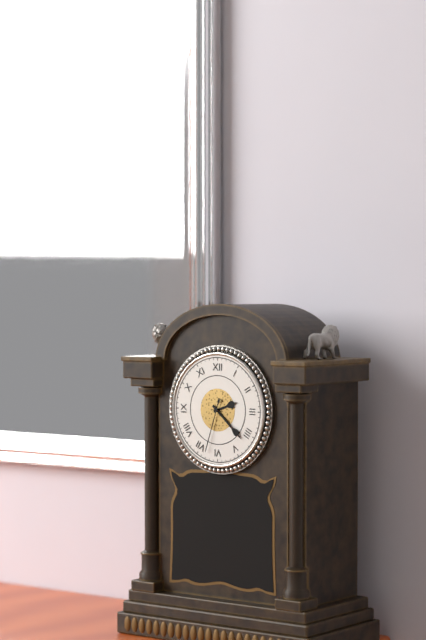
{"hour": 2, "minute": 22, "second": 33}
